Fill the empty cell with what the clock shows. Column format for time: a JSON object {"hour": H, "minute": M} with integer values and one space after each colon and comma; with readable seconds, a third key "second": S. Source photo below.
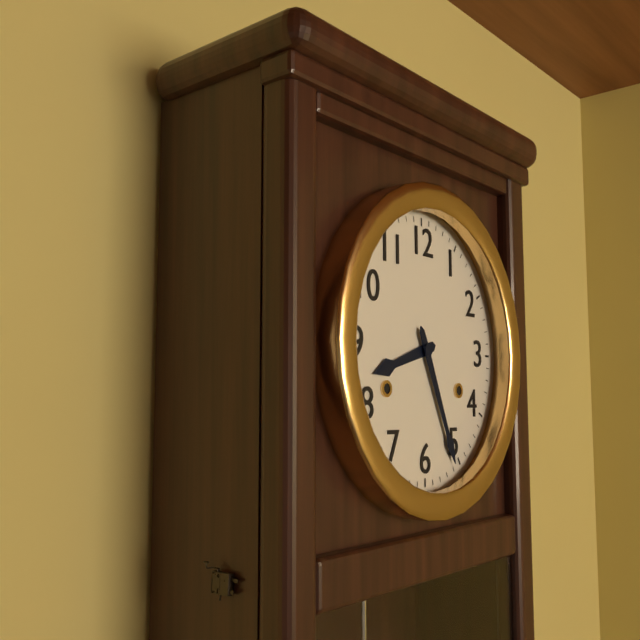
{"hour": 8, "minute": 26}
